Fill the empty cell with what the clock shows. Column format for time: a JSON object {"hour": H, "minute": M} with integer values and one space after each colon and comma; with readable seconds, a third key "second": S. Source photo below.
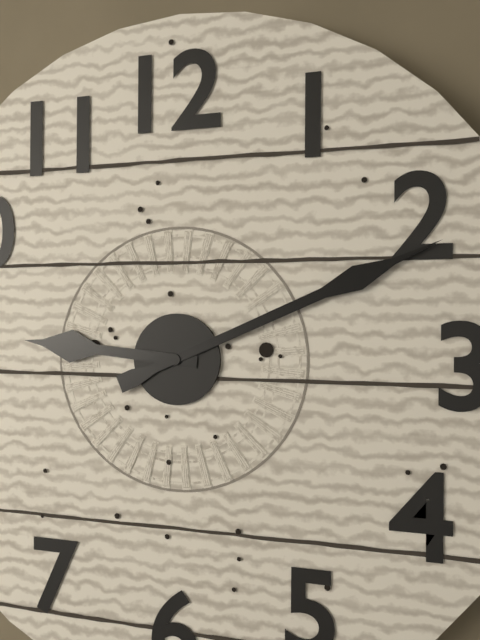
{"hour": 9, "minute": 11}
